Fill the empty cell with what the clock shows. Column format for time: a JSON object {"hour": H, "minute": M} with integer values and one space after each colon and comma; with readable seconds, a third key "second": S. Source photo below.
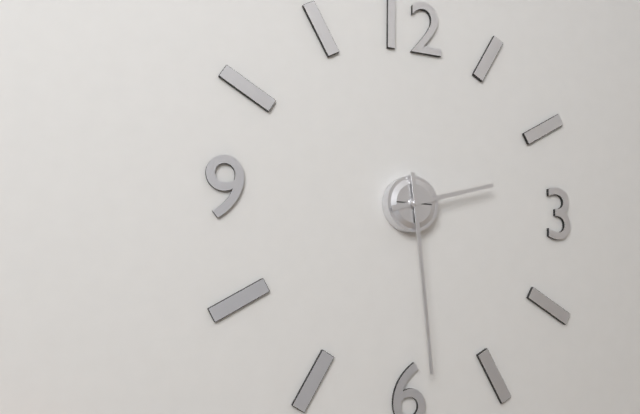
{"hour": 2, "minute": 29}
